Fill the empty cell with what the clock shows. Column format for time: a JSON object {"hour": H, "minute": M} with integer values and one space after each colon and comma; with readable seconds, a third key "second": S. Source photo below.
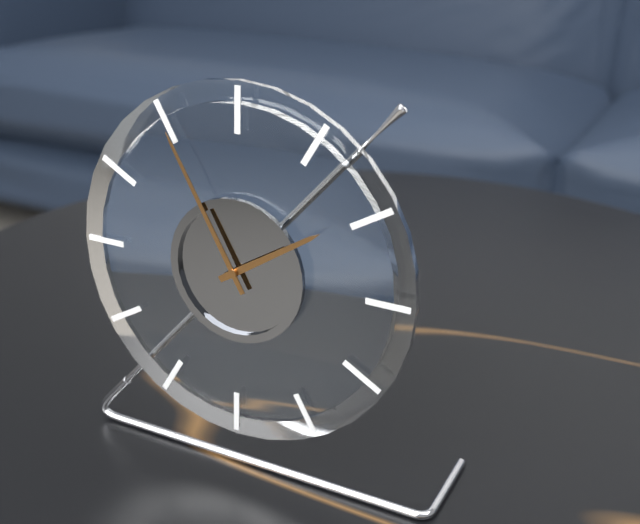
{"hour": 1, "minute": 55}
